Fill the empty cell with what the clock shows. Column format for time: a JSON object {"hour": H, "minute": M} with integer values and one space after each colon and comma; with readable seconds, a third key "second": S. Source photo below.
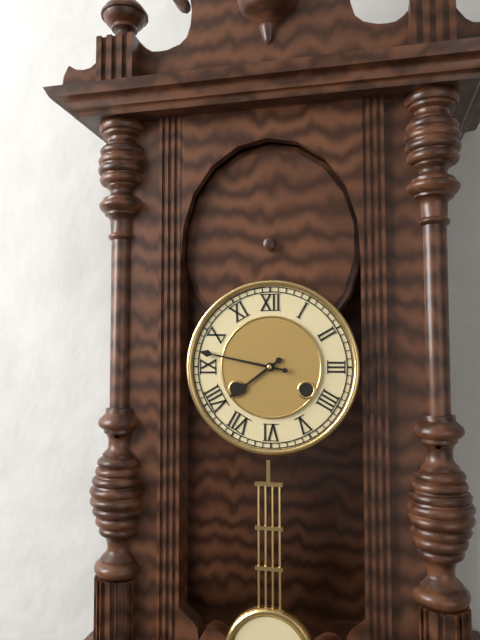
{"hour": 7, "minute": 47}
